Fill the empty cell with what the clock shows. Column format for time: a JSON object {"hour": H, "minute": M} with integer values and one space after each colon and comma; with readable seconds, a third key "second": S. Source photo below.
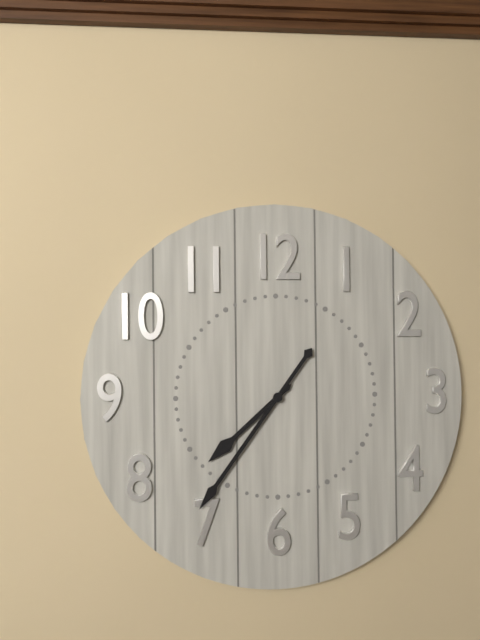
{"hour": 7, "minute": 36}
